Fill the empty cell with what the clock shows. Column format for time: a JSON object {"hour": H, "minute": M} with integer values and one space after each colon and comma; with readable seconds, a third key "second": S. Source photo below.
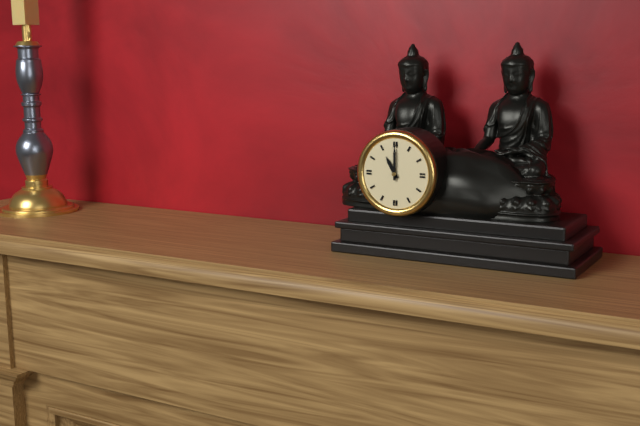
{"hour": 11, "minute": 0}
